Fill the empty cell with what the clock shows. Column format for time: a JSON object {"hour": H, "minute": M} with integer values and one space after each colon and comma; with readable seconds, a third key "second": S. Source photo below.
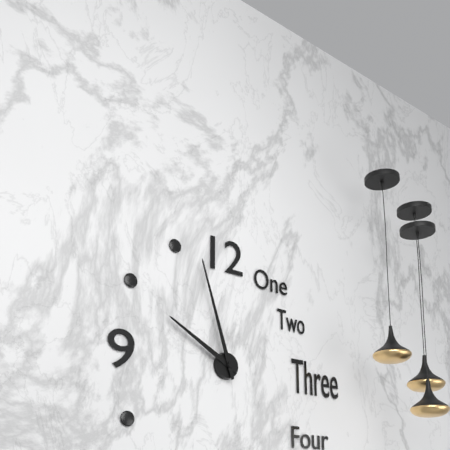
{"hour": 9, "minute": 57}
